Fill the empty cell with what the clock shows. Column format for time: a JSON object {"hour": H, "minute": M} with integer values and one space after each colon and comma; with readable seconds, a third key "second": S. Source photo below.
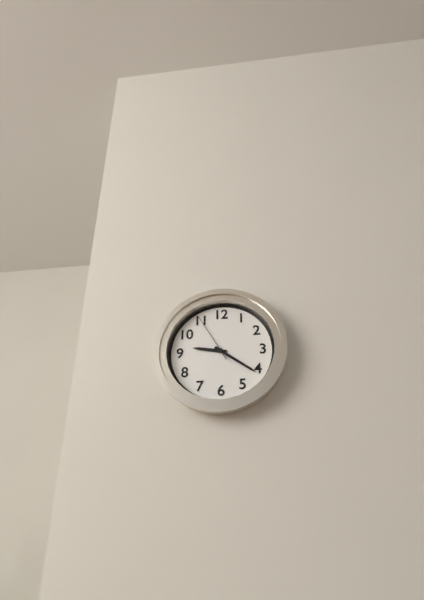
{"hour": 9, "minute": 21, "second": 55}
